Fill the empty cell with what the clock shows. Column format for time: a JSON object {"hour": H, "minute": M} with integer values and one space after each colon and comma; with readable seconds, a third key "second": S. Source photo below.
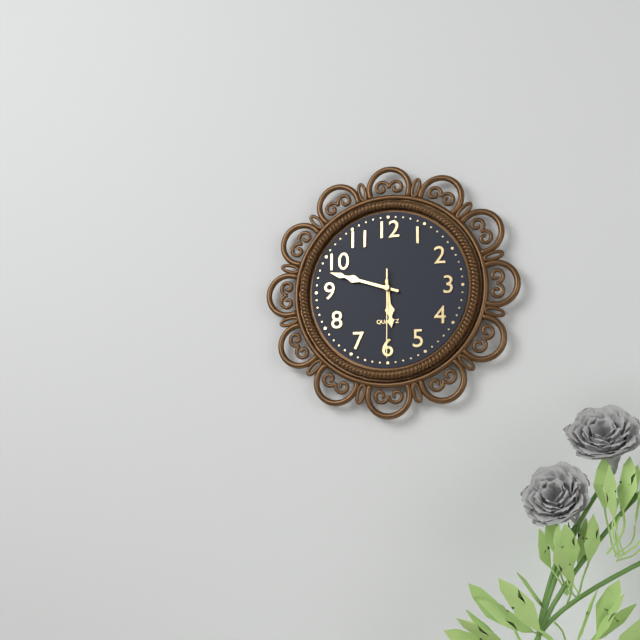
{"hour": 5, "minute": 48, "second": 30}
